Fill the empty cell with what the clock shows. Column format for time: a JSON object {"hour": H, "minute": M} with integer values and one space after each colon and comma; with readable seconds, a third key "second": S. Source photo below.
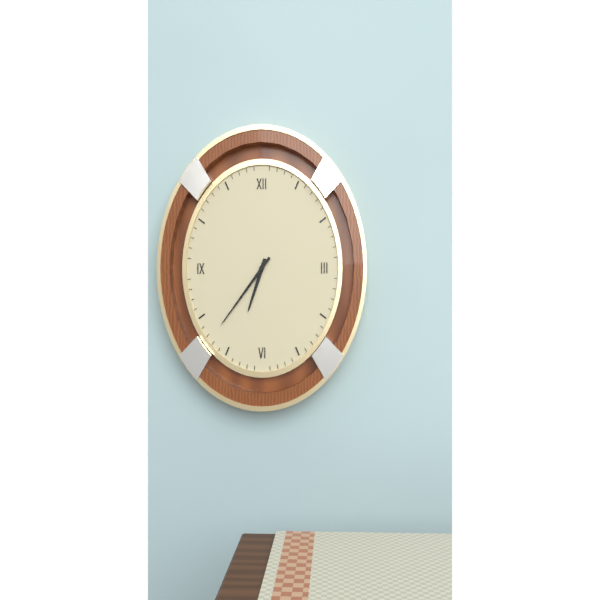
{"hour": 6, "minute": 36}
